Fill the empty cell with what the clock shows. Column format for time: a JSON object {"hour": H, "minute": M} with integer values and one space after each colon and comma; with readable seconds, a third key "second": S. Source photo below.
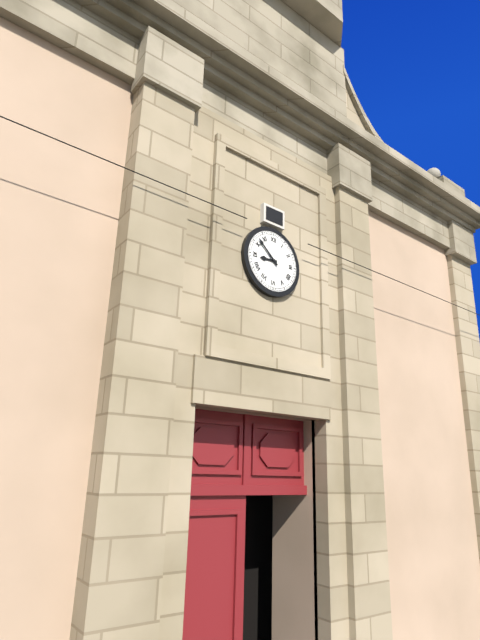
{"hour": 8, "minute": 52}
